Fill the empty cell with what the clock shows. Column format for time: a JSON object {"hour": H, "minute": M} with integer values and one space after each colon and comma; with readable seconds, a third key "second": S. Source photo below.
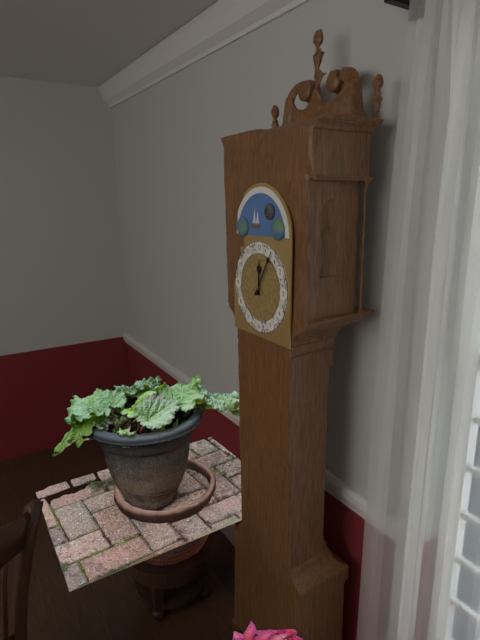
{"hour": 12, "minute": 5}
